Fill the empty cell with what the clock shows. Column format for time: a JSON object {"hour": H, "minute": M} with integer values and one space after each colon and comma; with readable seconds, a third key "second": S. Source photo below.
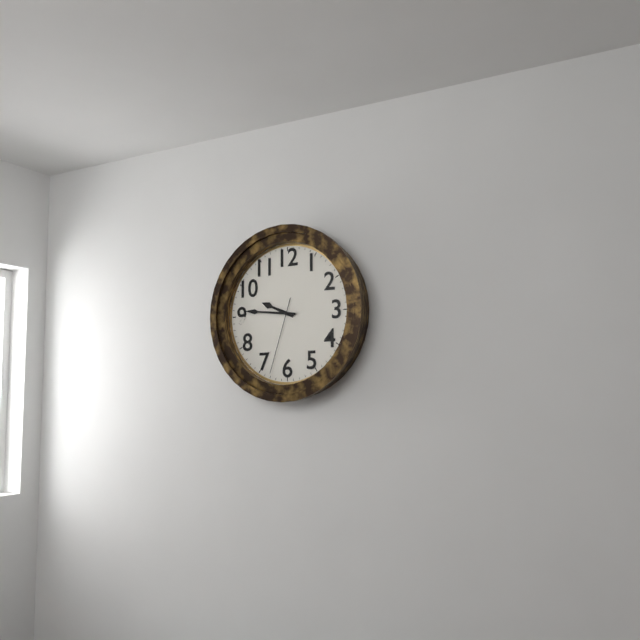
{"hour": 9, "minute": 46, "second": 33}
